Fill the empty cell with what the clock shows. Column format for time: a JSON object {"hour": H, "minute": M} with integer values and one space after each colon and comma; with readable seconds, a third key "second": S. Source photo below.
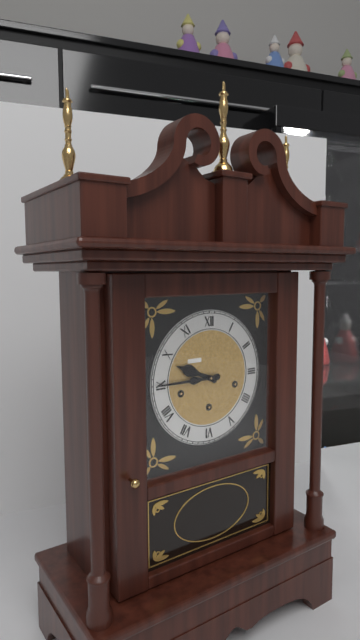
{"hour": 9, "minute": 45}
